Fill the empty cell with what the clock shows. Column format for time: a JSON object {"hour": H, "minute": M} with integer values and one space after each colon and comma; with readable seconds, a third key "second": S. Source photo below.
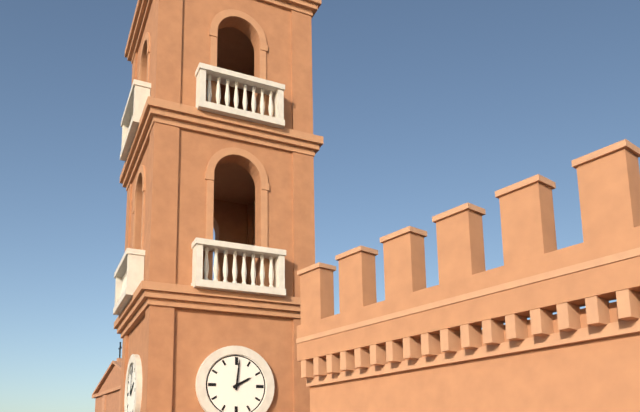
{"hour": 2, "minute": 1}
